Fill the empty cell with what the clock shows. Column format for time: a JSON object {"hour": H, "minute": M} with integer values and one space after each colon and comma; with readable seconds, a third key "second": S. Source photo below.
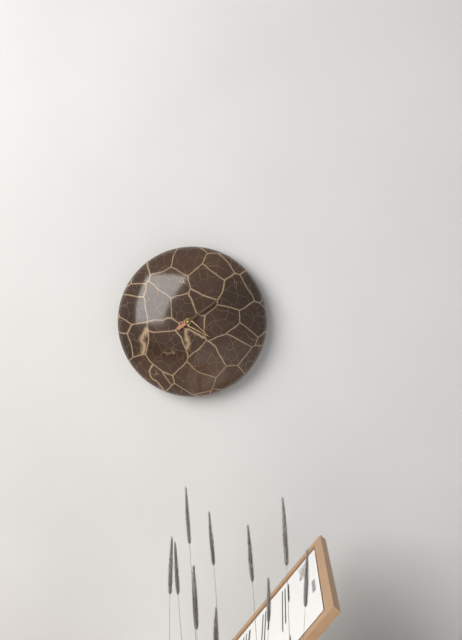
{"hour": 4, "minute": 9}
